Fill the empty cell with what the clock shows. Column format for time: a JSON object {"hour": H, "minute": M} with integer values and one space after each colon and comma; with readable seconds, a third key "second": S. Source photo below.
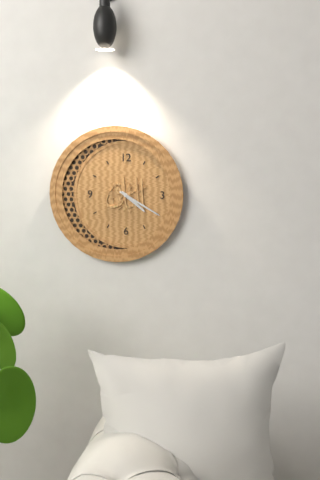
{"hour": 4, "minute": 20}
